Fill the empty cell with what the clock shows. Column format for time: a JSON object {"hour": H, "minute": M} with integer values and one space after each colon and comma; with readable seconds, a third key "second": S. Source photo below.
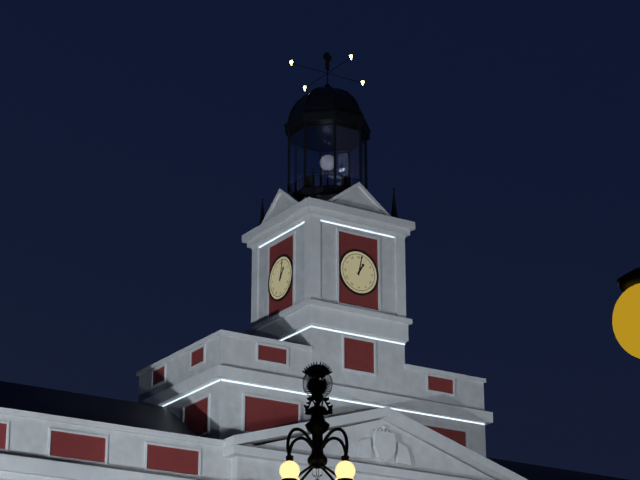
{"hour": 1, "minute": 2}
